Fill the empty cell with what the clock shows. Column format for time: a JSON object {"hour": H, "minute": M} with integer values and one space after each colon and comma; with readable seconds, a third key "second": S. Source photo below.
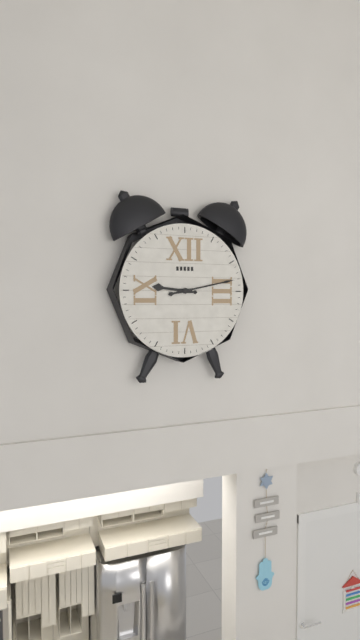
{"hour": 9, "minute": 13}
